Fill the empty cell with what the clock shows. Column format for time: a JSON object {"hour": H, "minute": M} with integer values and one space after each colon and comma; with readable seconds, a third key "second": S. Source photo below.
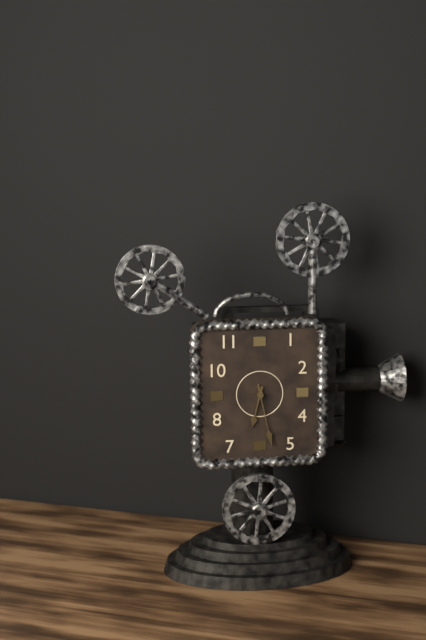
{"hour": 6, "minute": 28}
